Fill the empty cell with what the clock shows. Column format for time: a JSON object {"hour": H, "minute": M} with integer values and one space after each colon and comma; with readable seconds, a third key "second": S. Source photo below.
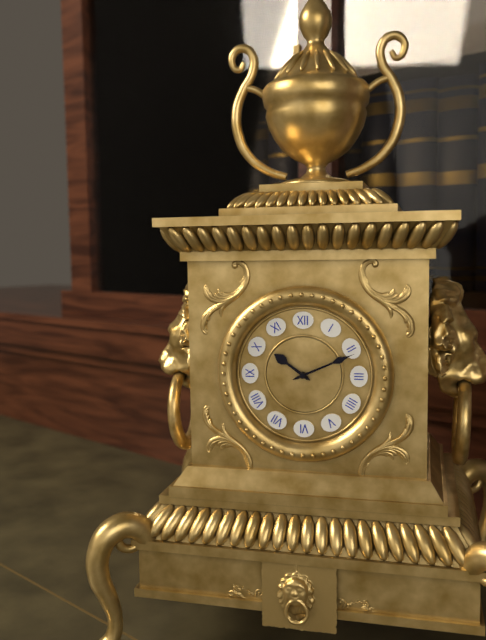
{"hour": 10, "minute": 11}
